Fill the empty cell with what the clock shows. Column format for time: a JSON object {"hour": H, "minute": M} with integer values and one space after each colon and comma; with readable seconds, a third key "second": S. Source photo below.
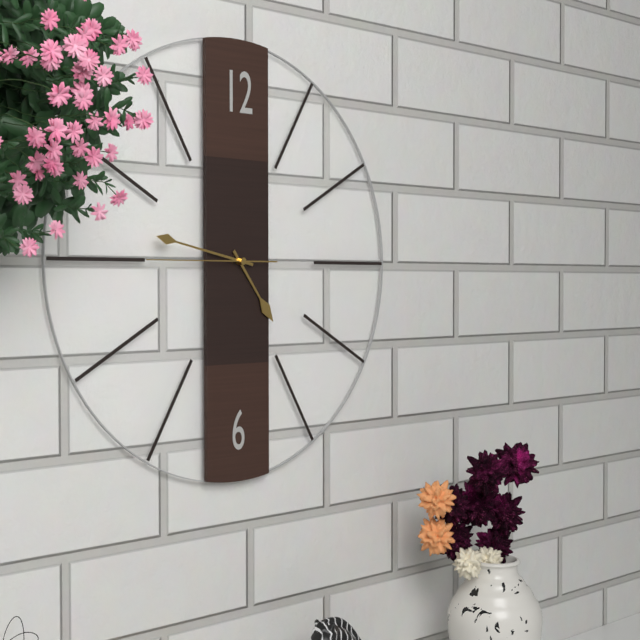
{"hour": 4, "minute": 47, "second": 45}
